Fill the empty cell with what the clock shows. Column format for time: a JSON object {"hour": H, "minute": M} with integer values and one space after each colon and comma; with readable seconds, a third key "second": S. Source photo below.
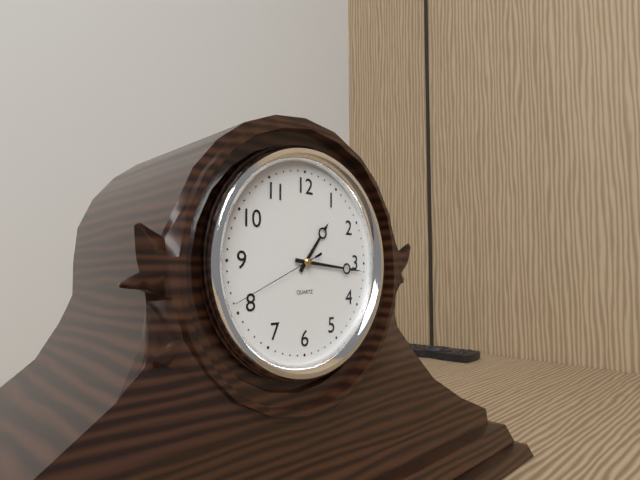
{"hour": 1, "minute": 16, "second": 41}
